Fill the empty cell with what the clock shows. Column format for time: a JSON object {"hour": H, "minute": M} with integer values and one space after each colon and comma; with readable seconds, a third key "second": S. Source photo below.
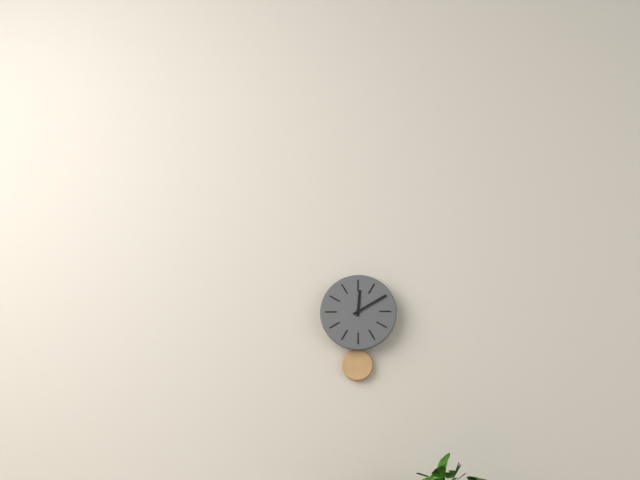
{"hour": 12, "minute": 10}
